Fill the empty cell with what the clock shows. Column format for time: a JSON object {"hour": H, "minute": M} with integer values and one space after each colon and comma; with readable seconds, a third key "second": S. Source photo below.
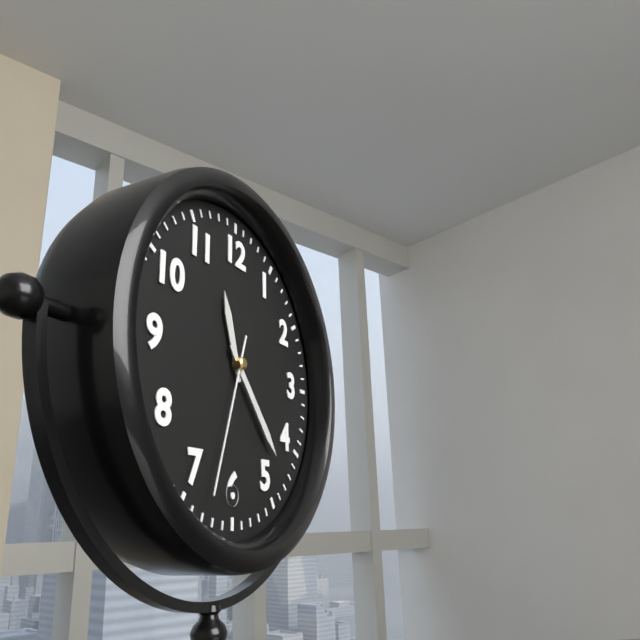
{"hour": 11, "minute": 23, "second": 33}
